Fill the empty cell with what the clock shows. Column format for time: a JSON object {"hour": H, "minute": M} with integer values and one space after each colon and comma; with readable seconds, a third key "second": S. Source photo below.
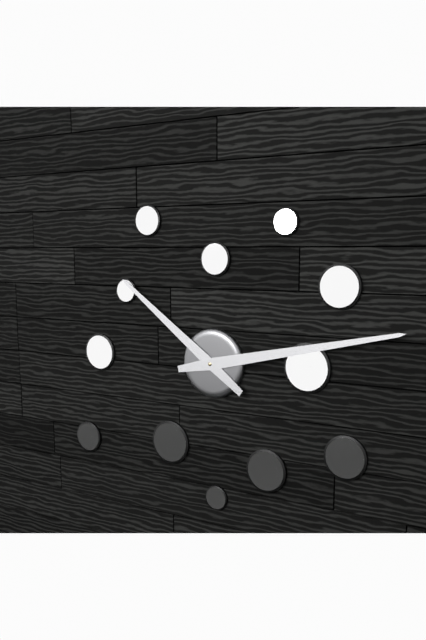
{"hour": 10, "minute": 13}
